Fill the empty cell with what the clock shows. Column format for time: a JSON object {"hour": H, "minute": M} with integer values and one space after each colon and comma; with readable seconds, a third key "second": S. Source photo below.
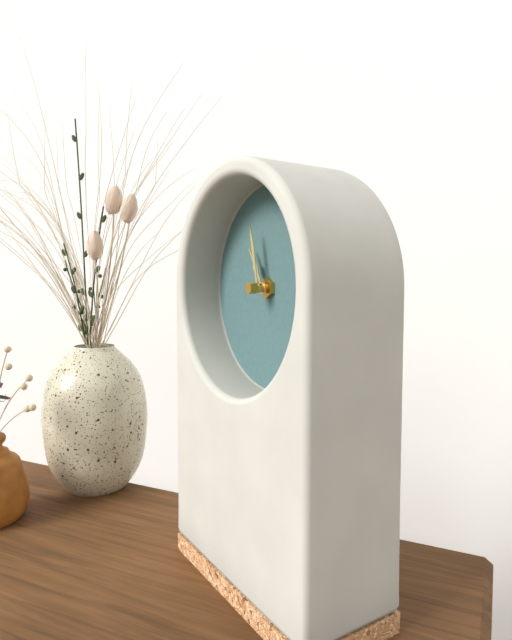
{"hour": 10, "minute": 58}
